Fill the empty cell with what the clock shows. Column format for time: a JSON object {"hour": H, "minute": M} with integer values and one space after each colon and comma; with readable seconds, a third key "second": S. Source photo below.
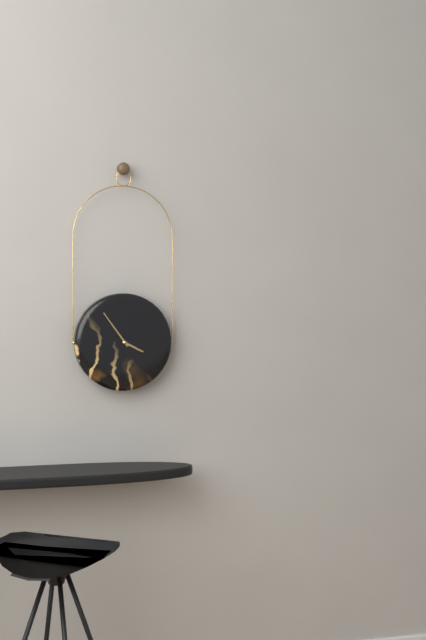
{"hour": 3, "minute": 54}
